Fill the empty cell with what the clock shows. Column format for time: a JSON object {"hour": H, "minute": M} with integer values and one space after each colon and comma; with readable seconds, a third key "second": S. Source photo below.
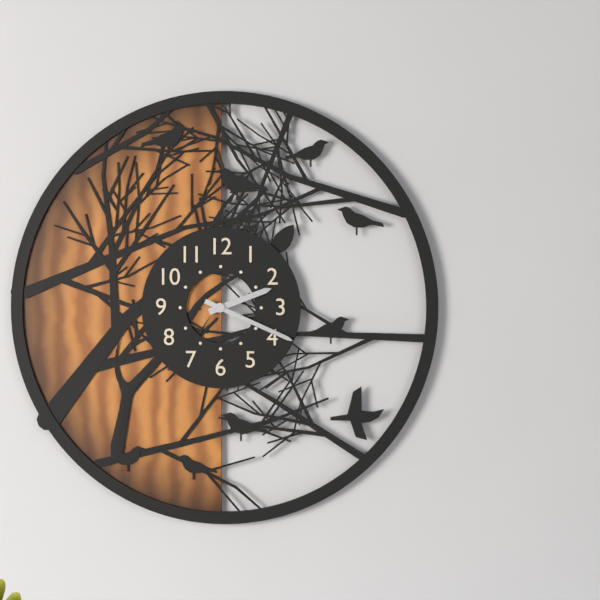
{"hour": 2, "minute": 19}
